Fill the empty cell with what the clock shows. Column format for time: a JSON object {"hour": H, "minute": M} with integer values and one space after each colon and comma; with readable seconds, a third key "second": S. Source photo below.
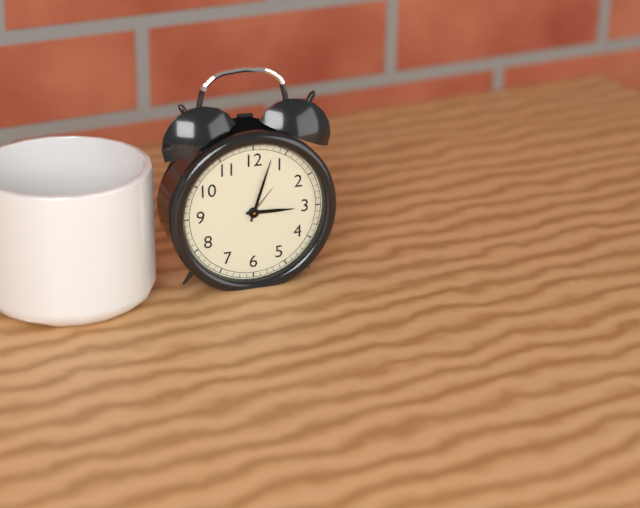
{"hour": 3, "minute": 3}
